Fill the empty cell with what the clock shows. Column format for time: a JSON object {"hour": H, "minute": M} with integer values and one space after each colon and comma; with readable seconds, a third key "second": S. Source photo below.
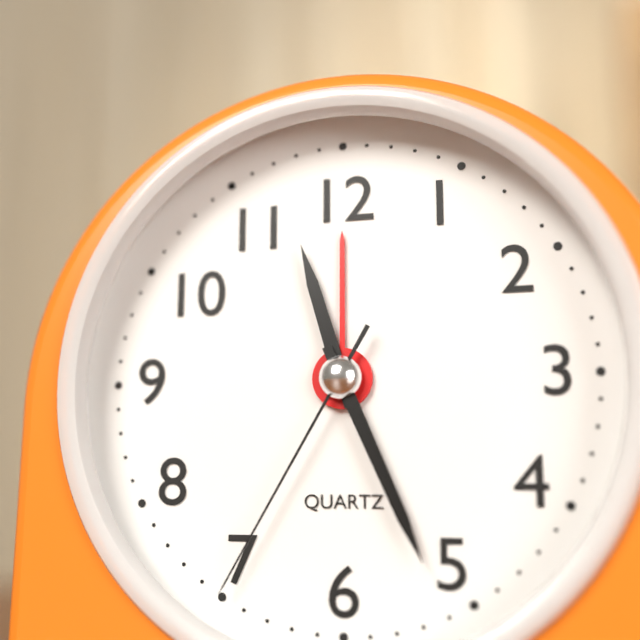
{"hour": 11, "minute": 26, "second": 35}
